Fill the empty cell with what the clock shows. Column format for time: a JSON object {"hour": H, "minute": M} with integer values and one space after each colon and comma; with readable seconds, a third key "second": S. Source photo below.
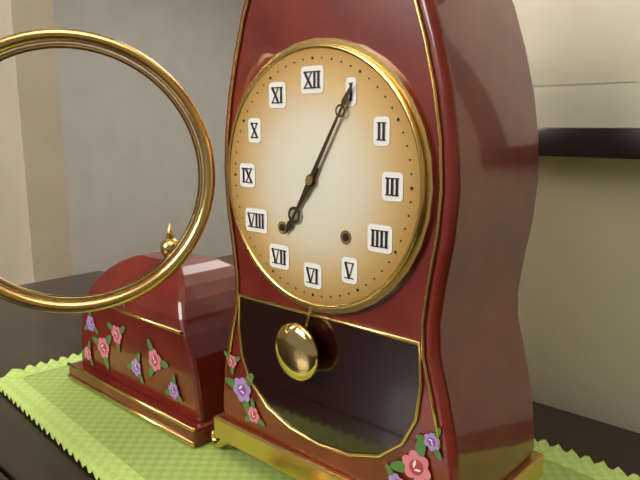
{"hour": 7, "minute": 5}
